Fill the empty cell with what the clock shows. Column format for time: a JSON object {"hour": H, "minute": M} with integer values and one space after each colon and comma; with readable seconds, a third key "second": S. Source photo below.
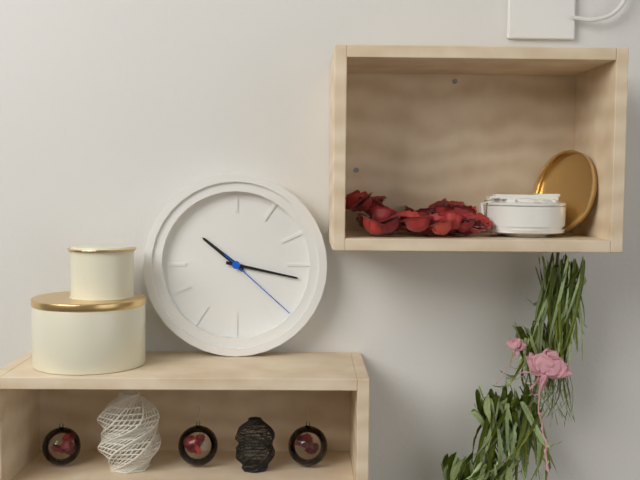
{"hour": 10, "minute": 17, "second": 22}
